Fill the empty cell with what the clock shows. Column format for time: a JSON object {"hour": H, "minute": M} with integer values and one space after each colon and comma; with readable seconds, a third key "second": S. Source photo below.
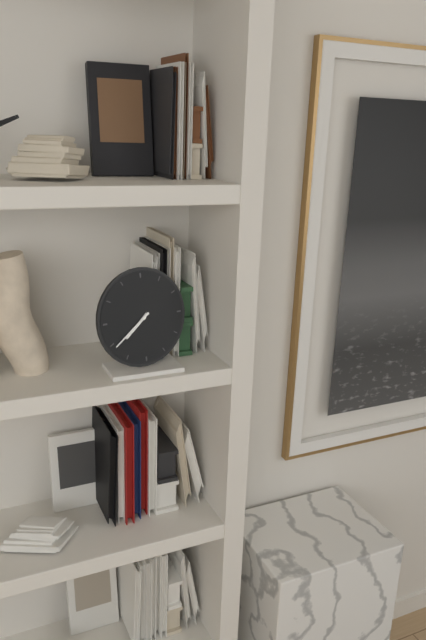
{"hour": 7, "minute": 39}
